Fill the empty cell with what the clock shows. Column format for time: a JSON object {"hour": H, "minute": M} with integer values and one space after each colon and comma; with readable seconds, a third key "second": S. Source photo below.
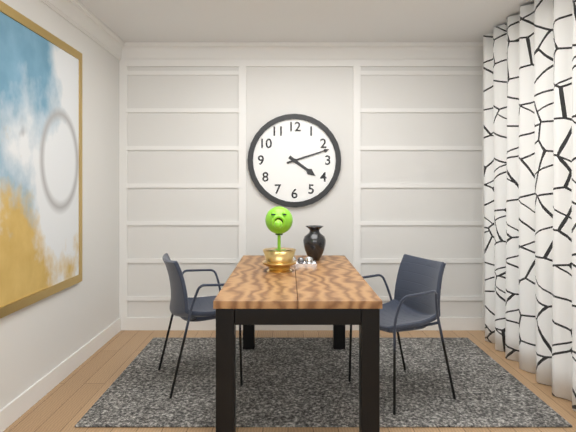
{"hour": 4, "minute": 12}
